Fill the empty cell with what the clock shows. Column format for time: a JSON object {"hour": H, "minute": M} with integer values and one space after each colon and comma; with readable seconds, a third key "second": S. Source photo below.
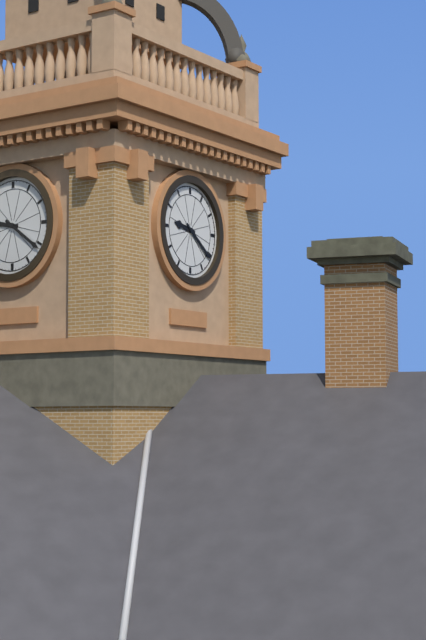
{"hour": 9, "minute": 21}
